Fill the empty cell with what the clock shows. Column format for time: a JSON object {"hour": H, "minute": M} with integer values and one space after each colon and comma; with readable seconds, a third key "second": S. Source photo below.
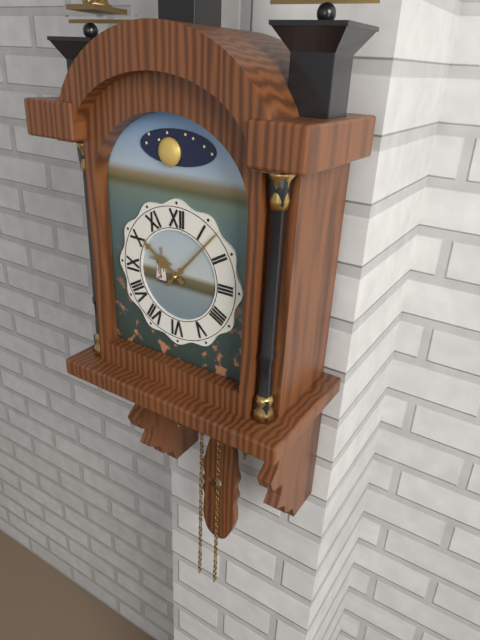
{"hour": 10, "minute": 7}
